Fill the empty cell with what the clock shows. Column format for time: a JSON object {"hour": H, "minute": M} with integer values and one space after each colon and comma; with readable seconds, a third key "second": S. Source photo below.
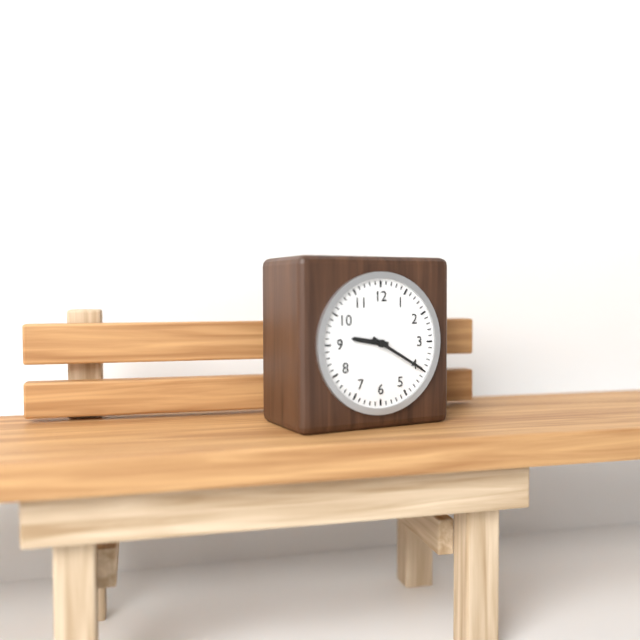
{"hour": 9, "minute": 20}
